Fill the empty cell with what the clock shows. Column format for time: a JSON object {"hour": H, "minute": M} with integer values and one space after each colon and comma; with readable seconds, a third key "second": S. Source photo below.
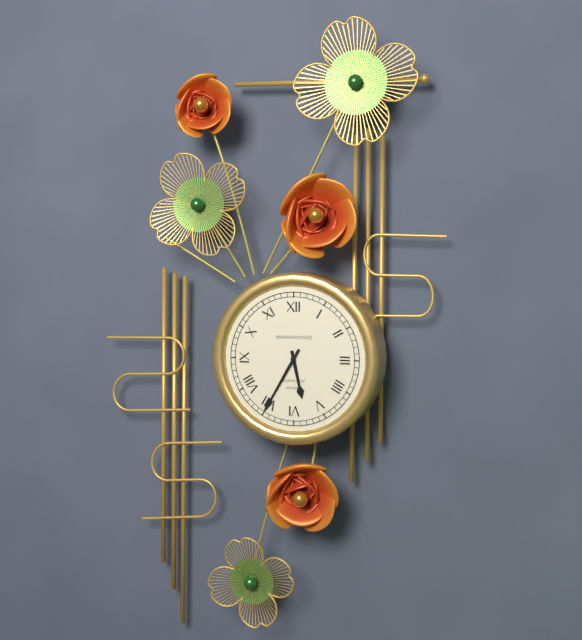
{"hour": 5, "minute": 35}
